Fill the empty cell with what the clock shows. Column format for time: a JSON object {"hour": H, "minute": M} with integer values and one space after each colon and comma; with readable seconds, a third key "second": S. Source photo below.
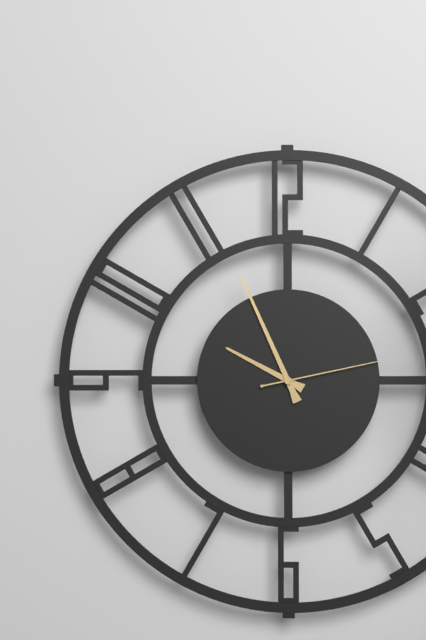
{"hour": 9, "minute": 56, "second": 13}
